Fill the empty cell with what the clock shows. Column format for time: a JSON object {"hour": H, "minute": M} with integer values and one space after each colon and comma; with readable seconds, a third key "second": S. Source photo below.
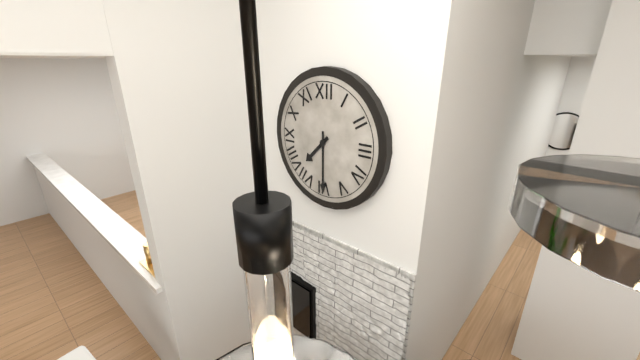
{"hour": 7, "minute": 30}
